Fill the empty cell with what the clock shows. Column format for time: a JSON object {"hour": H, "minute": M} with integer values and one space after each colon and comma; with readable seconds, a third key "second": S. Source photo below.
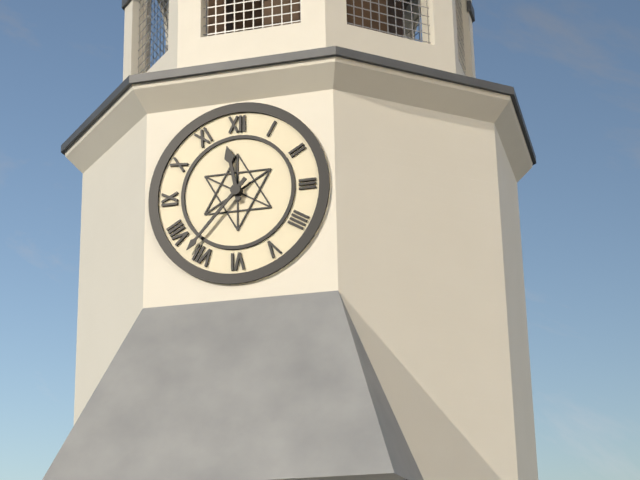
{"hour": 11, "minute": 37}
